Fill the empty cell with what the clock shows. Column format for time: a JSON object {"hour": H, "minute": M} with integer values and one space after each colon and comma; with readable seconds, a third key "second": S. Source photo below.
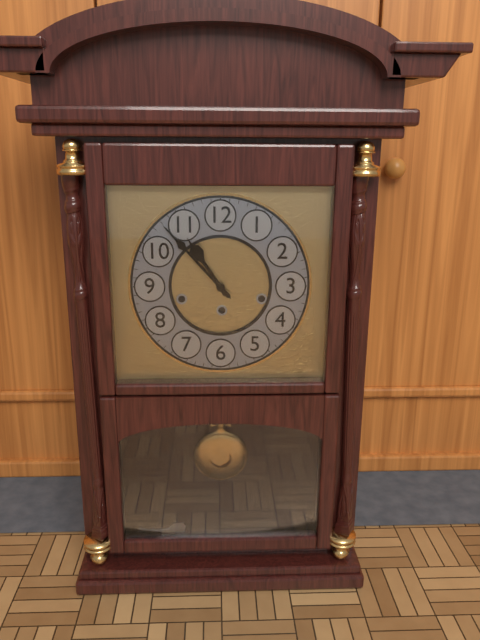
{"hour": 10, "minute": 53}
